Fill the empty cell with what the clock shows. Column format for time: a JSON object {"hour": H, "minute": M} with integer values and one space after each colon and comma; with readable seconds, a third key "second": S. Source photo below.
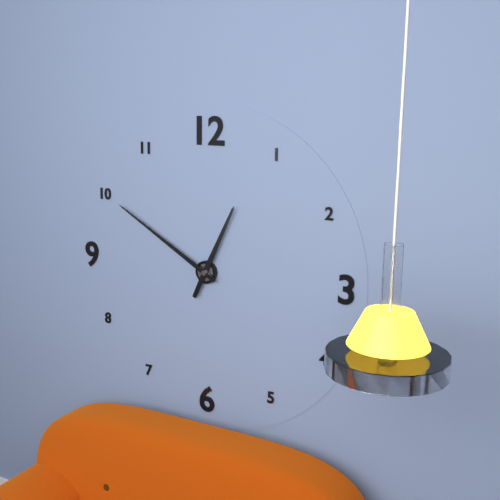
{"hour": 12, "minute": 50}
